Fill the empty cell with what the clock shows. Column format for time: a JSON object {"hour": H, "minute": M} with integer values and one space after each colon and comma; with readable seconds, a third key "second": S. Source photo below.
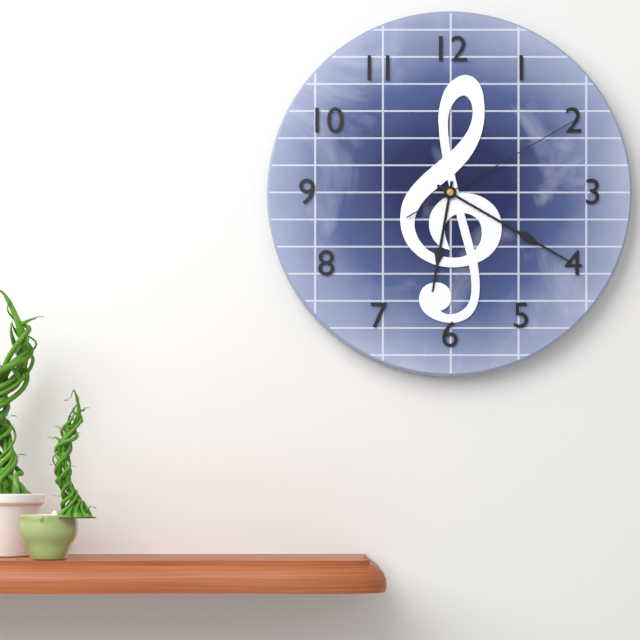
{"hour": 6, "minute": 20, "second": 10}
